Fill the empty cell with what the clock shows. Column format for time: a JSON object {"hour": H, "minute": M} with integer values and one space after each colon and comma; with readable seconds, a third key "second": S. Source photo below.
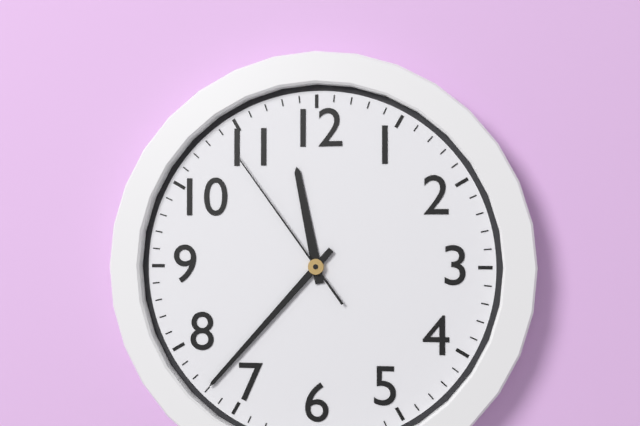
{"hour": 11, "minute": 37, "second": 54}
